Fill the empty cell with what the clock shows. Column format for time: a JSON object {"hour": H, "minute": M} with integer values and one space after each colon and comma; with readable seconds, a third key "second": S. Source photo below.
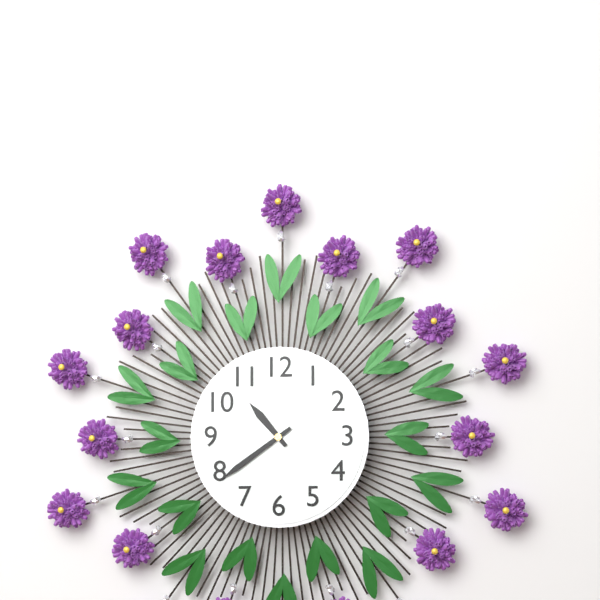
{"hour": 10, "minute": 39}
